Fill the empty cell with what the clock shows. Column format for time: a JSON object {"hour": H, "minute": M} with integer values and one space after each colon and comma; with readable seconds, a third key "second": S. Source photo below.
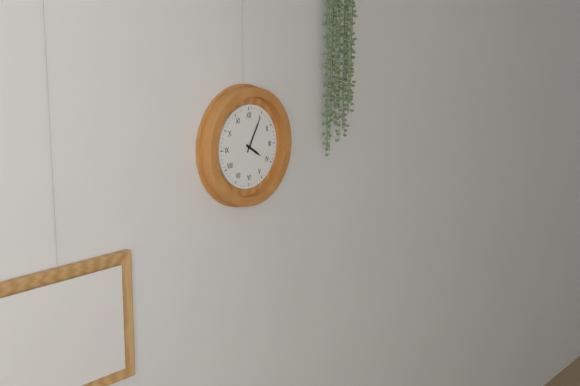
{"hour": 4, "minute": 5}
